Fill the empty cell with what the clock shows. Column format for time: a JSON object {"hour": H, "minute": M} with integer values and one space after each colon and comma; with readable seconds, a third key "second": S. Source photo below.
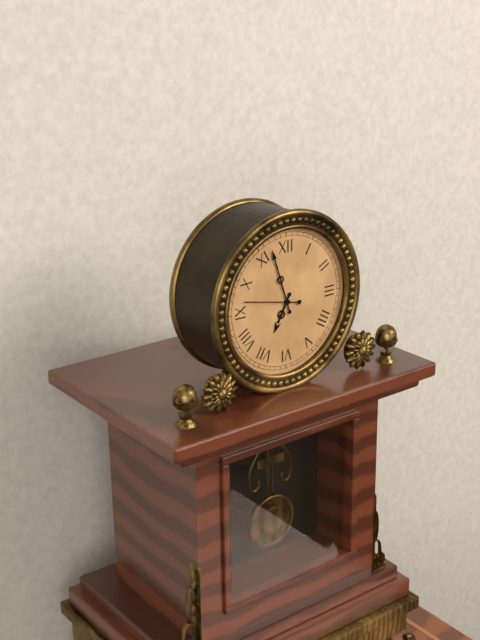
{"hour": 6, "minute": 57, "second": 47}
